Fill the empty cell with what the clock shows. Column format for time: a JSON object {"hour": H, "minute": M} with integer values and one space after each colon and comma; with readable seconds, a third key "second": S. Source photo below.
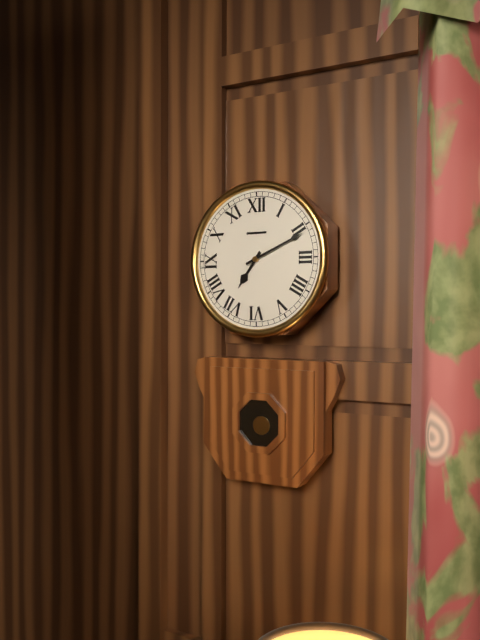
{"hour": 7, "minute": 11}
